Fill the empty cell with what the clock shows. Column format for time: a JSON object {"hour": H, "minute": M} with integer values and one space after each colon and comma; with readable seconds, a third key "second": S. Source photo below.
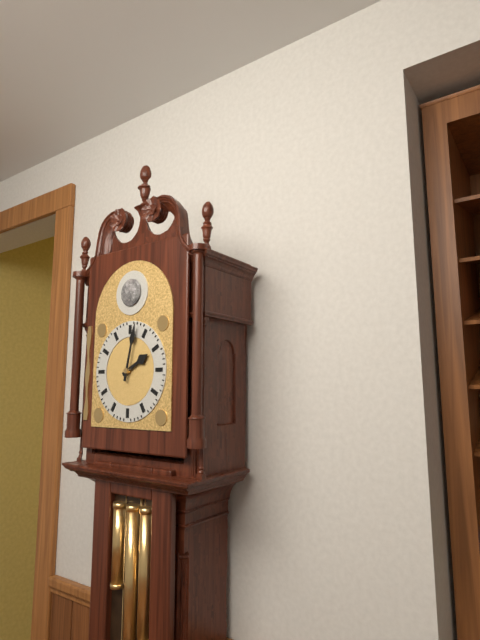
{"hour": 2, "minute": 2}
